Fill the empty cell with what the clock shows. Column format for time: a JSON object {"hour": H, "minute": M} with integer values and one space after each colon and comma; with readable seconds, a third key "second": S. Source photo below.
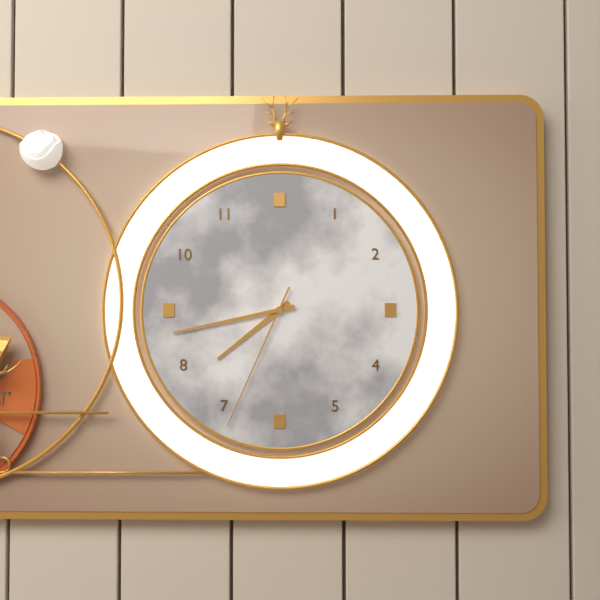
{"hour": 7, "minute": 43, "second": 34}
